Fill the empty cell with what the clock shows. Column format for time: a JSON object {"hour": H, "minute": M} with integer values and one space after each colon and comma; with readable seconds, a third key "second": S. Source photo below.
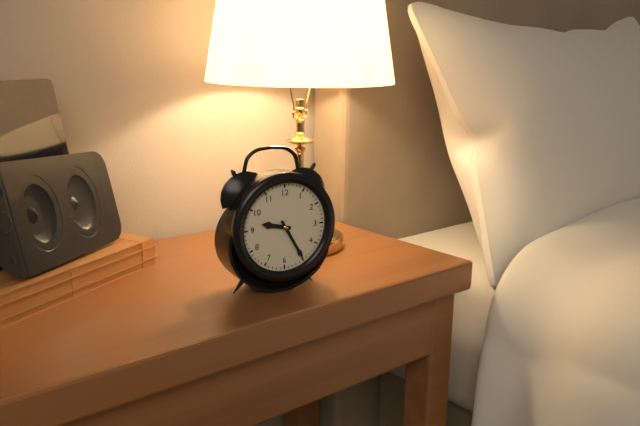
{"hour": 9, "minute": 25}
